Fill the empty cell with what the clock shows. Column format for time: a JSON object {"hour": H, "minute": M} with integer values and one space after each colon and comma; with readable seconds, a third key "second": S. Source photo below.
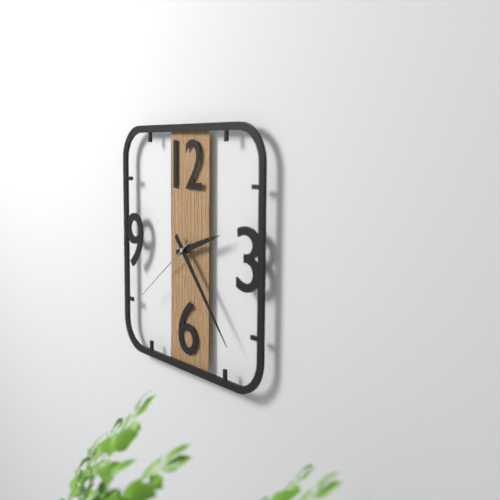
{"hour": 2, "minute": 23, "second": 39}
